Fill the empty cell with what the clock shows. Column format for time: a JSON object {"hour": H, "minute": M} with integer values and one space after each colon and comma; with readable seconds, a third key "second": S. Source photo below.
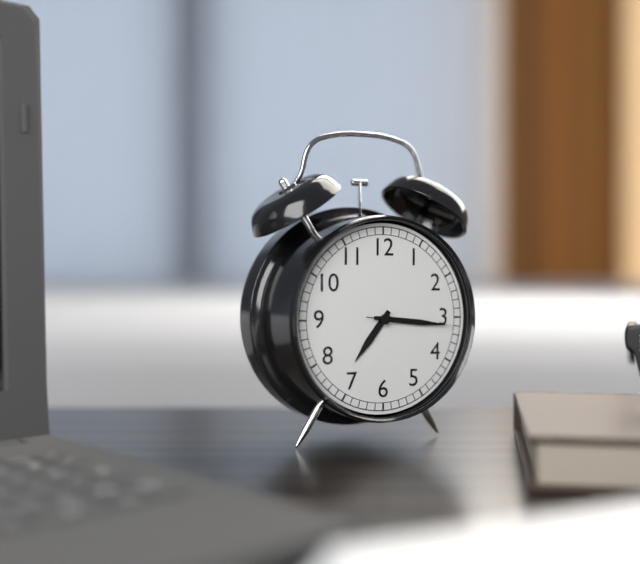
{"hour": 7, "minute": 16, "second": 16}
